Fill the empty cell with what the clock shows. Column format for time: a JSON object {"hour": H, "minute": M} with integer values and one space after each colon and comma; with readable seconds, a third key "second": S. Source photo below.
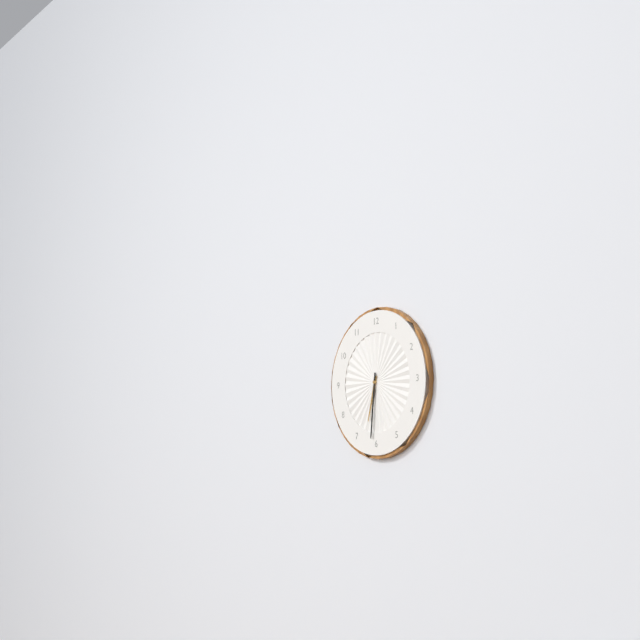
{"hour": 6, "minute": 31}
